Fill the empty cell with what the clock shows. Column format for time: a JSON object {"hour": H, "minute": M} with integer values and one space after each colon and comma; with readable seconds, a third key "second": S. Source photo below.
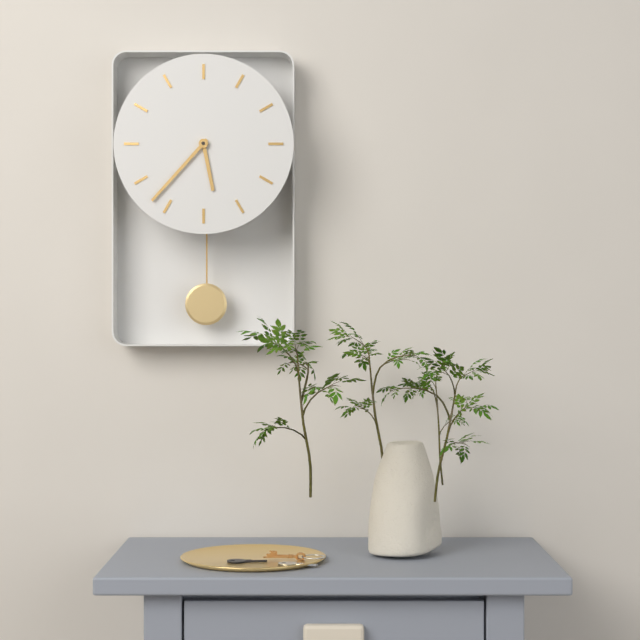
{"hour": 5, "minute": 37}
